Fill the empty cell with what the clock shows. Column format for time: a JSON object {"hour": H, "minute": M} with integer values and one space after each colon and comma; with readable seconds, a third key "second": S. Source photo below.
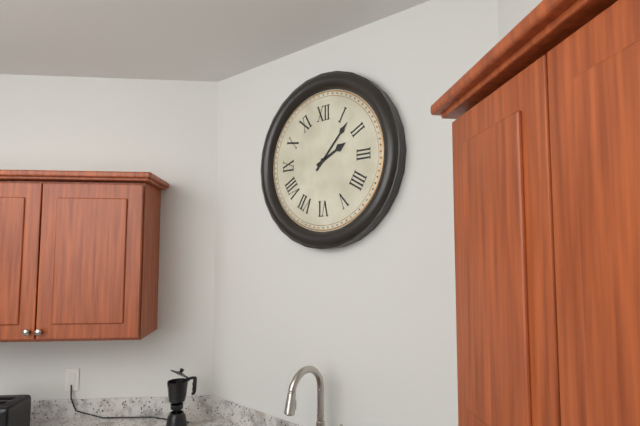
{"hour": 2, "minute": 7}
